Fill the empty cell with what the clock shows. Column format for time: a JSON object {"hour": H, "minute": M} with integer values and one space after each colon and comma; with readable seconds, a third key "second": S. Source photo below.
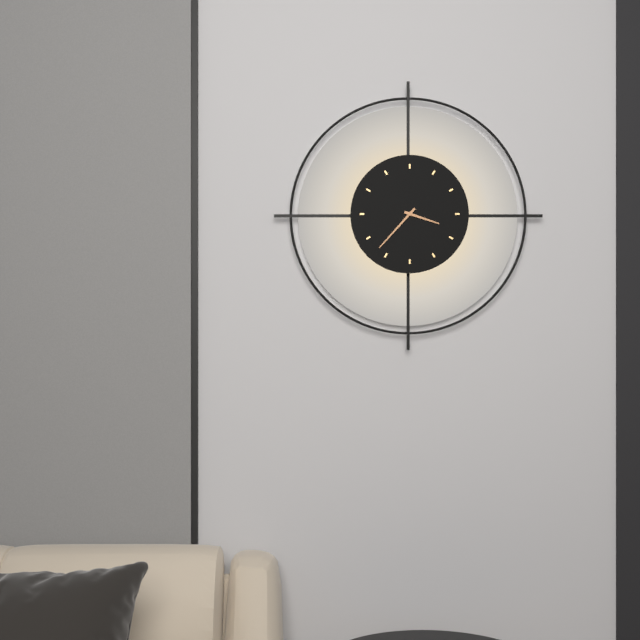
{"hour": 3, "minute": 37}
